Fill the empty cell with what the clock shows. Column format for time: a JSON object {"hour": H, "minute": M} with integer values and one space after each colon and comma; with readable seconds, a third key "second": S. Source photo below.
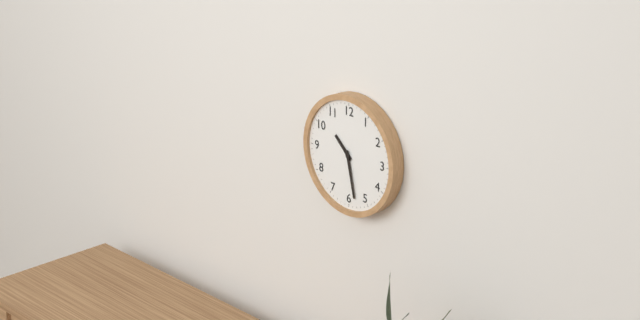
{"hour": 10, "minute": 28}
